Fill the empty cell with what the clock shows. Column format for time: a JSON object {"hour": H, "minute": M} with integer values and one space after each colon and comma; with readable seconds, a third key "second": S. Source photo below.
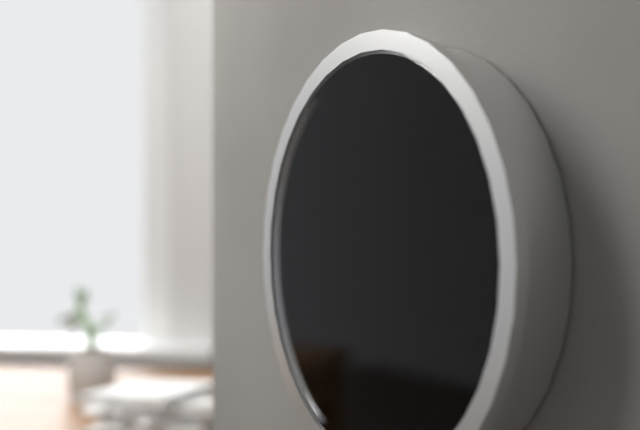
{"hour": 4, "minute": 8}
